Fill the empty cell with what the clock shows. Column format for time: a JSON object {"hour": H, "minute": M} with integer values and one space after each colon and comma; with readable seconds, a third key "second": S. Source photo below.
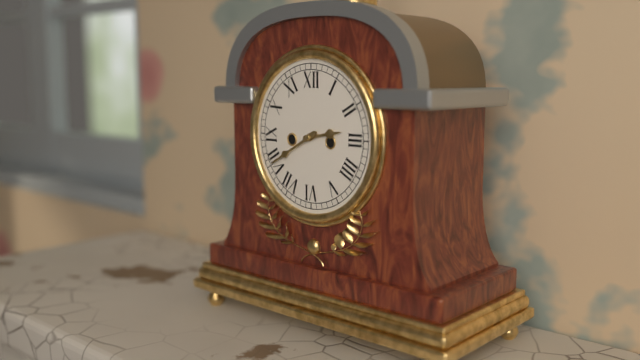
{"hour": 2, "minute": 40}
